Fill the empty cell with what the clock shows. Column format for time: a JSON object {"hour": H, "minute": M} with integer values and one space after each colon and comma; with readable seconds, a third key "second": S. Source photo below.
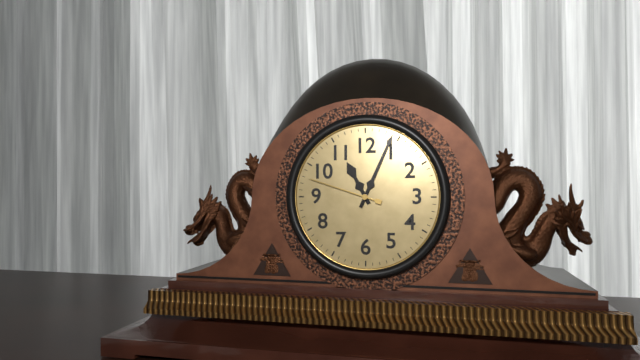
{"hour": 11, "minute": 4, "second": 48}
